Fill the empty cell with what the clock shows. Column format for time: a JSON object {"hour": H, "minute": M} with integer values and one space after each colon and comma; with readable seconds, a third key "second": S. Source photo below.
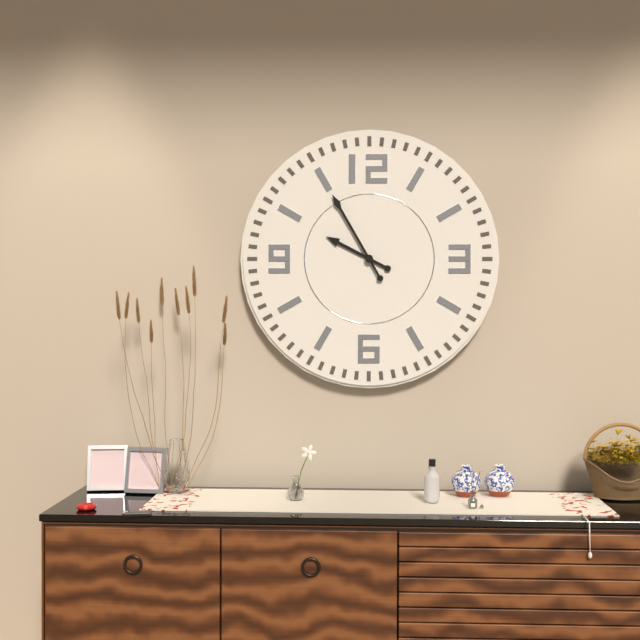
{"hour": 9, "minute": 55}
